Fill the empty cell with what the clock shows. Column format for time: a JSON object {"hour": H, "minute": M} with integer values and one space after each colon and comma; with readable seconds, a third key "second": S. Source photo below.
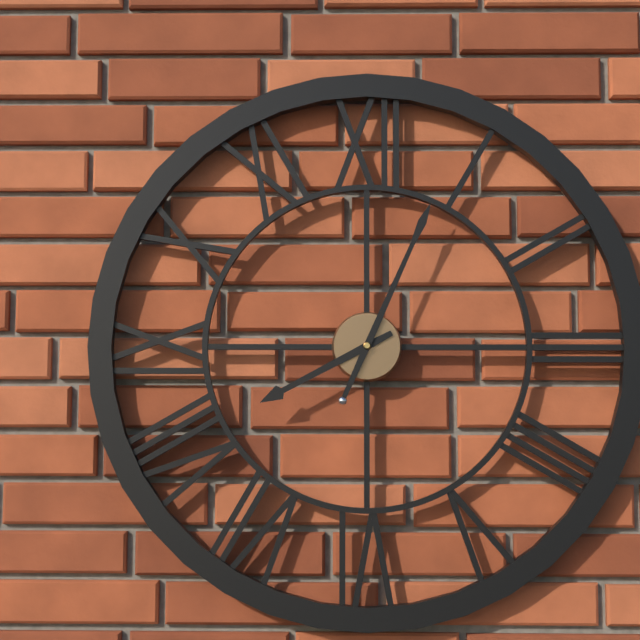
{"hour": 8, "minute": 4}
